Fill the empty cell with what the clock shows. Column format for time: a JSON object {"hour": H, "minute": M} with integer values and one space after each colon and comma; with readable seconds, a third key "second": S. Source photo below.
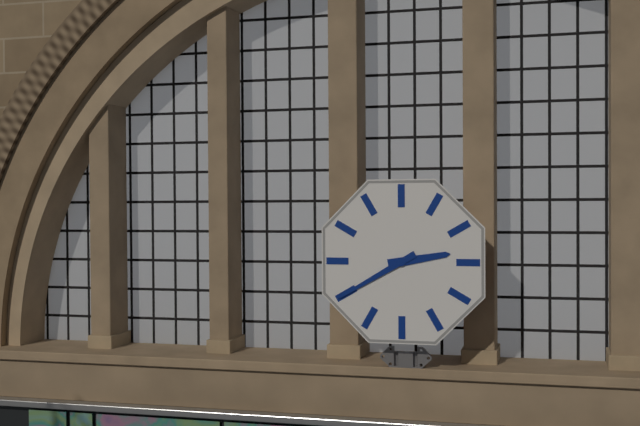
{"hour": 2, "minute": 40}
